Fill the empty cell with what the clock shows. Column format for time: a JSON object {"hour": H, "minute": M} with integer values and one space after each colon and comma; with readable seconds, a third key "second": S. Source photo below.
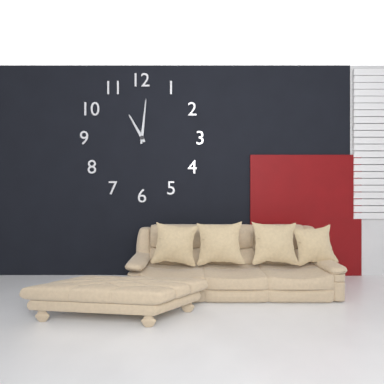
{"hour": 11, "minute": 1}
